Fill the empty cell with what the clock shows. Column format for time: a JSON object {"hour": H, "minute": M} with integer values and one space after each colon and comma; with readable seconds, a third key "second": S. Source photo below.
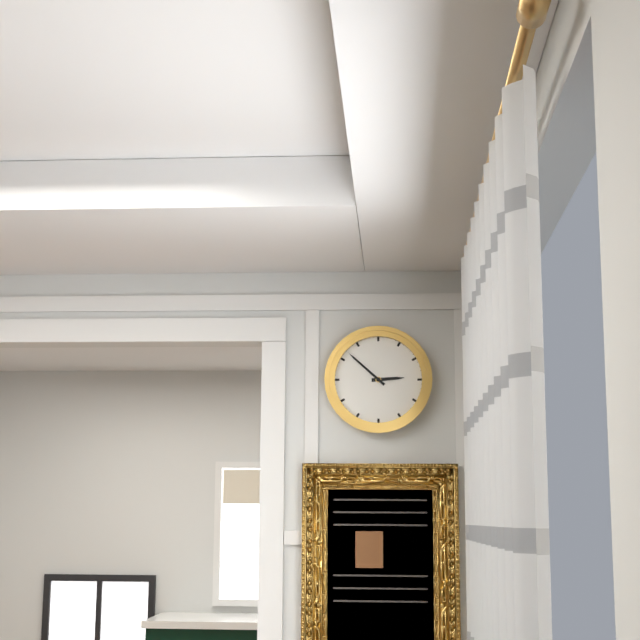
{"hour": 2, "minute": 52}
